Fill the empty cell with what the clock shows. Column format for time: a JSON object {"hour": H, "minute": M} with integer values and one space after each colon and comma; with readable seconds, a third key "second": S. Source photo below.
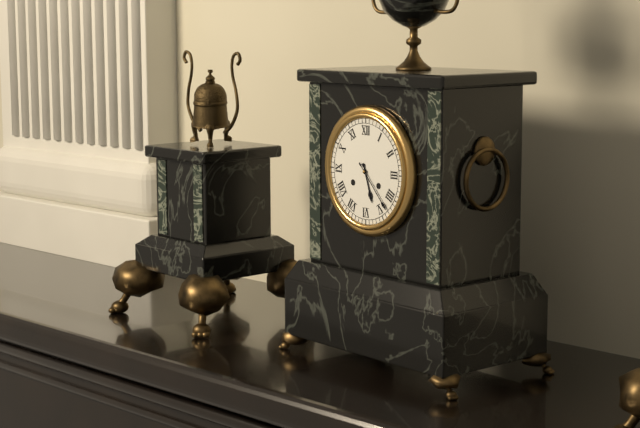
{"hour": 5, "minute": 23}
